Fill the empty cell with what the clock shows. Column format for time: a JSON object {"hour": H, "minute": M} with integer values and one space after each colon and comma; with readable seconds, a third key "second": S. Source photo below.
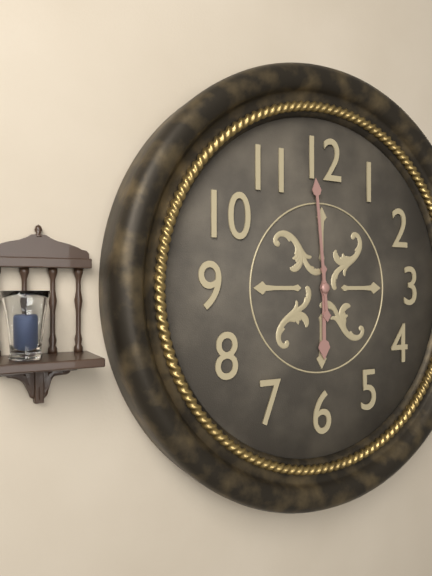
{"hour": 5, "minute": 59}
